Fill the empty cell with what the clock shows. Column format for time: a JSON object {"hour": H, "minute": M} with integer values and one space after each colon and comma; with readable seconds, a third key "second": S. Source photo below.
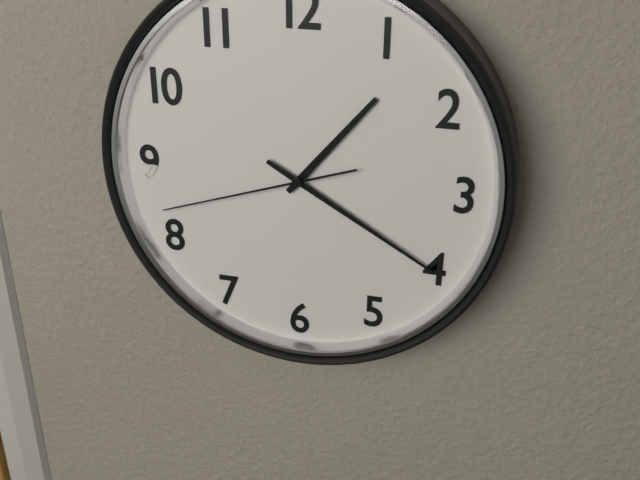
{"hour": 1, "minute": 20, "second": 42}
